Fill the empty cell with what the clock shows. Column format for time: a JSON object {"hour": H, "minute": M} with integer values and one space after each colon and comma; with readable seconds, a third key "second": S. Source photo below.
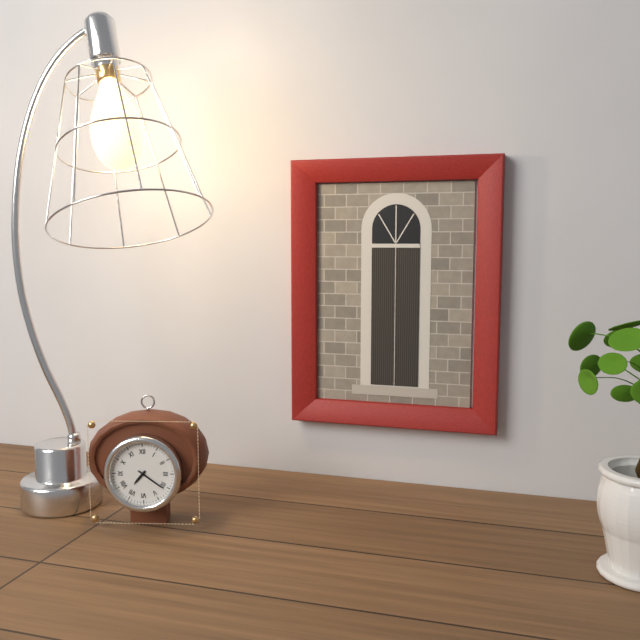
{"hour": 7, "minute": 21}
